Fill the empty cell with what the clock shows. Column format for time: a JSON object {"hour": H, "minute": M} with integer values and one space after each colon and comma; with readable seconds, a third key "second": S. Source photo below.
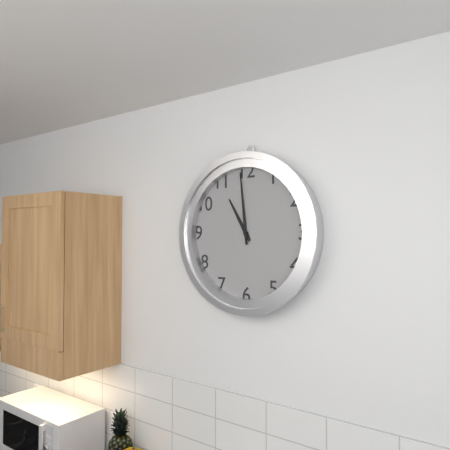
{"hour": 10, "minute": 59}
